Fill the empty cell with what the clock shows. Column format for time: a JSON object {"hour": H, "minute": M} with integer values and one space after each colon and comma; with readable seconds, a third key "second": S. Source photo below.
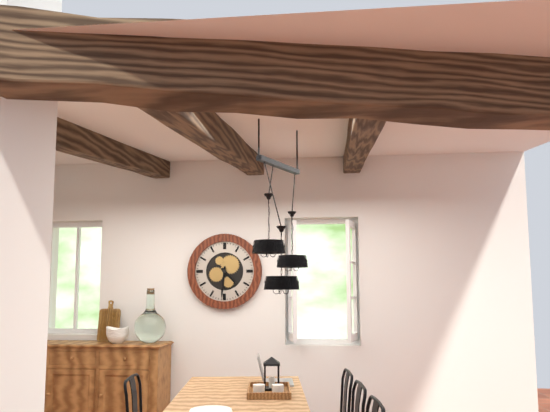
{"hour": 4, "minute": 31}
